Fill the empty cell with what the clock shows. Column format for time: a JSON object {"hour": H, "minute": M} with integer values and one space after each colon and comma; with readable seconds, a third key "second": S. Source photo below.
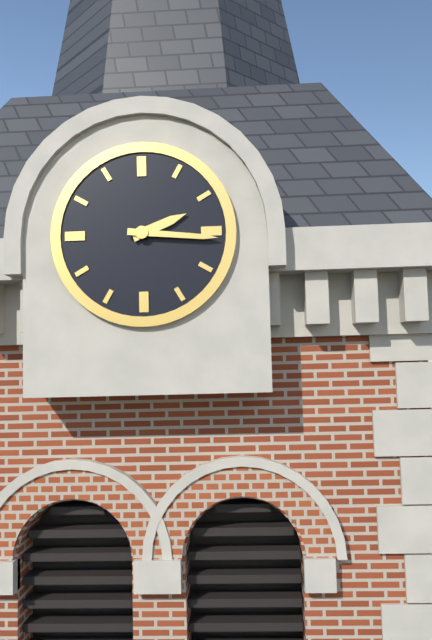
{"hour": 2, "minute": 16}
